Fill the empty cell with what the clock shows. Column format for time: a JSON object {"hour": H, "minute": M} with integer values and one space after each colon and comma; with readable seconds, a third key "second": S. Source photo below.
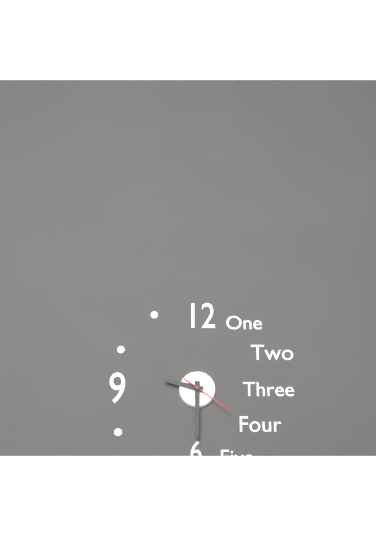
{"hour": 9, "minute": 30, "second": 21}
